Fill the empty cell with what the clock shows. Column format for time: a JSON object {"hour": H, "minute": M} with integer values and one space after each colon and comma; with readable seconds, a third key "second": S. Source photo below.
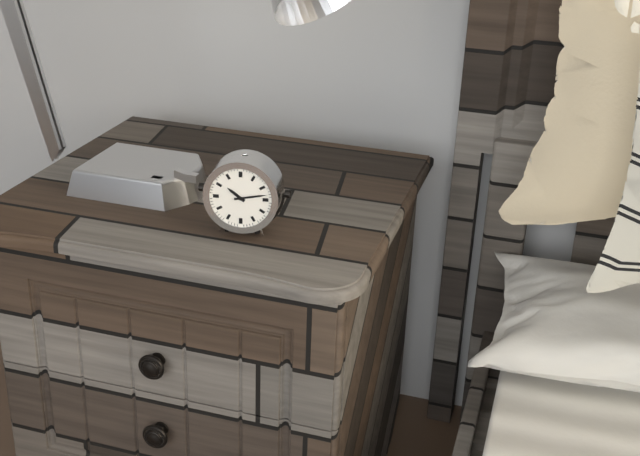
{"hour": 10, "minute": 13}
